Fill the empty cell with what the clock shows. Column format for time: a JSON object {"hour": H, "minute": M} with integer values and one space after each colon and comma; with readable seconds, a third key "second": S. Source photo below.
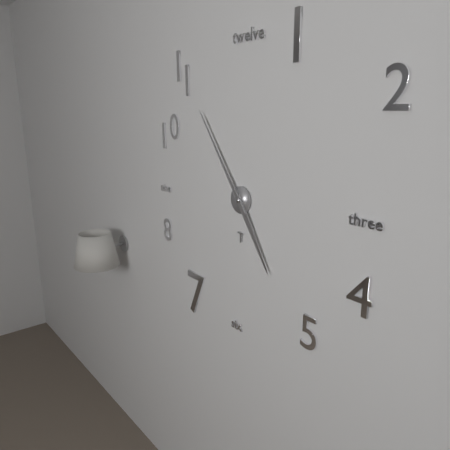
{"hour": 4, "minute": 54}
